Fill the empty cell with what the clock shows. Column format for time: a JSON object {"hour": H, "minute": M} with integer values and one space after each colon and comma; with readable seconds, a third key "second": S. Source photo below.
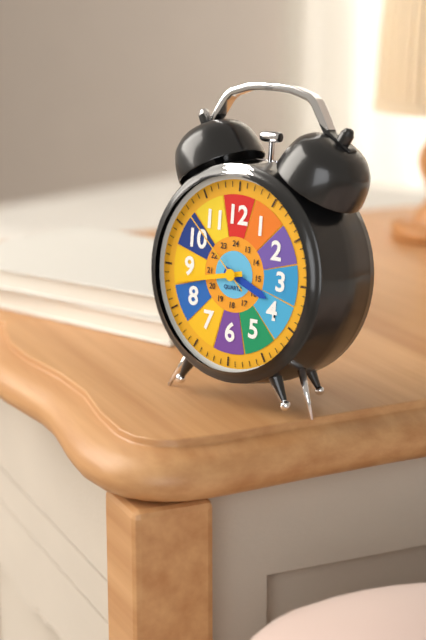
{"hour": 3, "minute": 43, "second": 52}
